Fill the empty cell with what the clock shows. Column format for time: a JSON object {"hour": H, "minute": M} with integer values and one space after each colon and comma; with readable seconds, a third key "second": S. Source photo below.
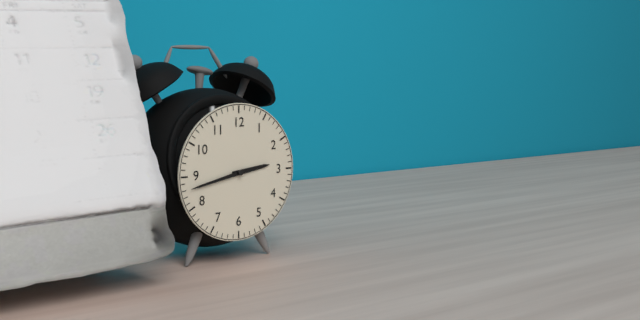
{"hour": 2, "minute": 43}
